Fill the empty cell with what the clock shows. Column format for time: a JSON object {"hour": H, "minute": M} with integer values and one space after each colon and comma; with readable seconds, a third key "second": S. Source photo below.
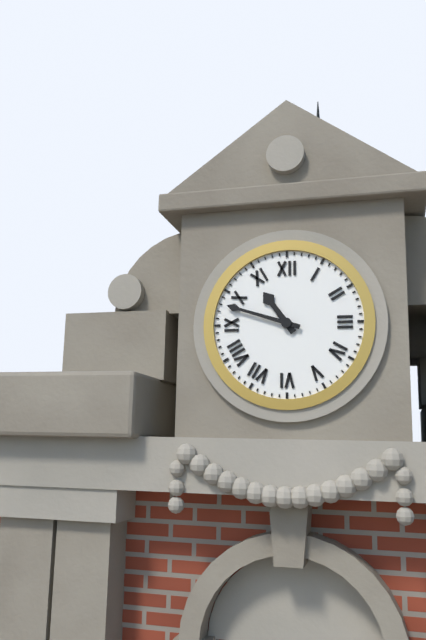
{"hour": 10, "minute": 48}
